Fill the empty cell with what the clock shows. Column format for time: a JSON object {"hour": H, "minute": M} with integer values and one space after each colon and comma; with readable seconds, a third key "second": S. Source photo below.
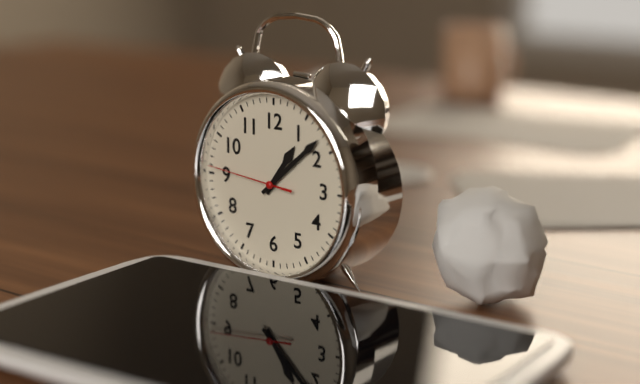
{"hour": 1, "minute": 8, "second": 46}
